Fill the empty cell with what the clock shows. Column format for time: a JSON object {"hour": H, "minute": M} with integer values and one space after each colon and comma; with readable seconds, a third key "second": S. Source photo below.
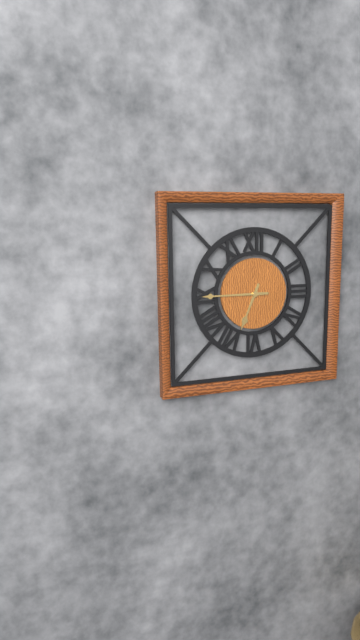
{"hour": 6, "minute": 45}
